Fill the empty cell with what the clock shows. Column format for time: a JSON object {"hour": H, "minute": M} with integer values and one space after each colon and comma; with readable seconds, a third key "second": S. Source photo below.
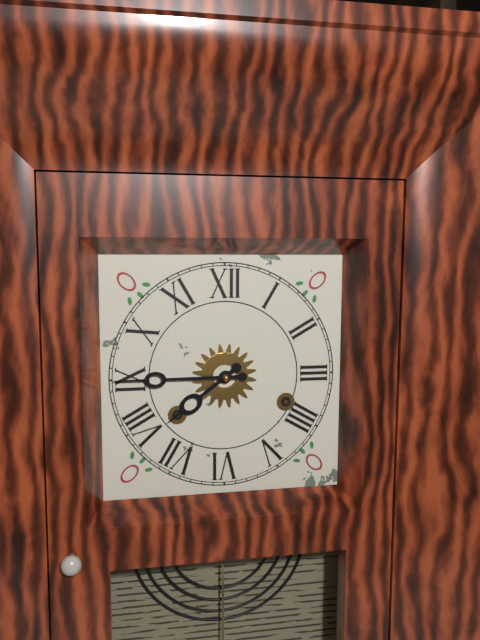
{"hour": 7, "minute": 45}
